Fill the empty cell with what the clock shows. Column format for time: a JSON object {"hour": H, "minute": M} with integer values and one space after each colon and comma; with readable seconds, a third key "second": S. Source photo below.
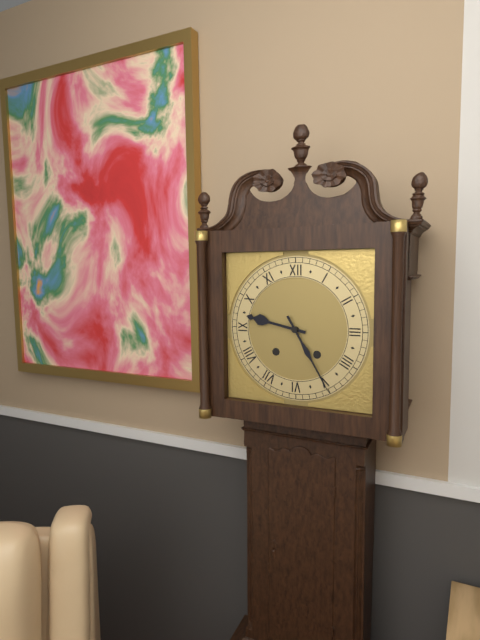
{"hour": 9, "minute": 25}
